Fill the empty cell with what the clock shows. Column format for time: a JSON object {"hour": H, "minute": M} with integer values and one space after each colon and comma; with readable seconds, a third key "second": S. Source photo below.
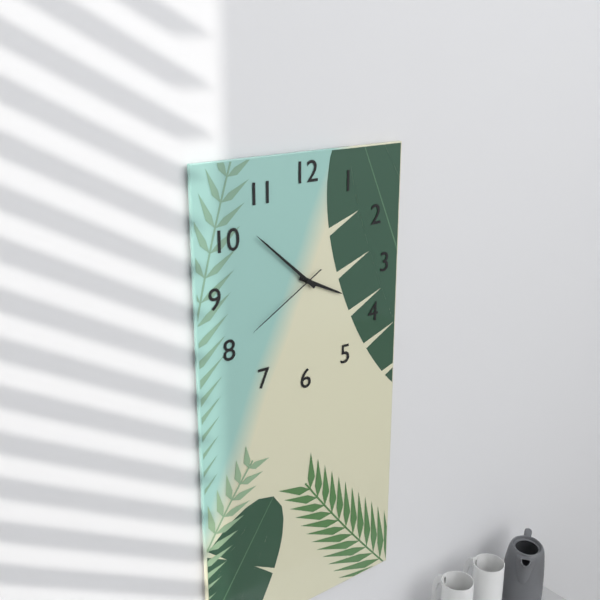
{"hour": 3, "minute": 52, "second": 40}
